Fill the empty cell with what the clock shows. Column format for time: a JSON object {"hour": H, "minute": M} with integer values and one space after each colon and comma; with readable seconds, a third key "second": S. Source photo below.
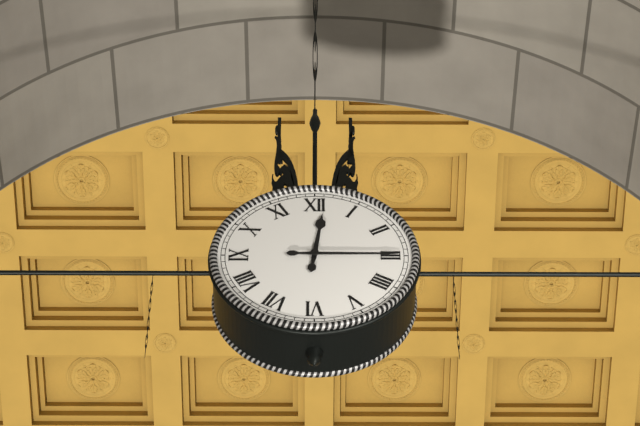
{"hour": 12, "minute": 15}
